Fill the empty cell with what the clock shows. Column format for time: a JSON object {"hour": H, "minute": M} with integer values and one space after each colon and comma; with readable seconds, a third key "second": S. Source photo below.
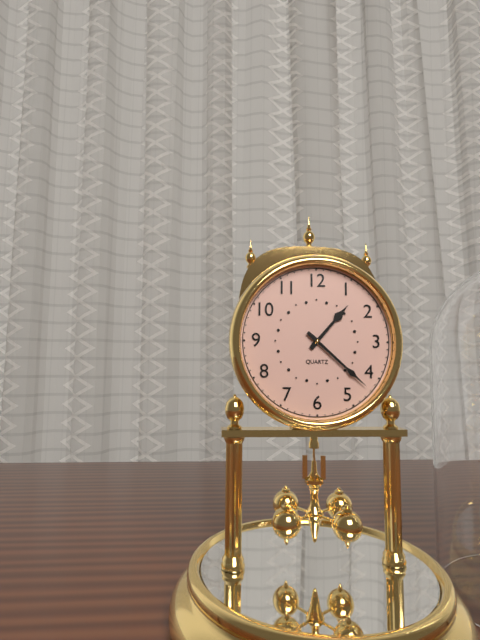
{"hour": 1, "minute": 22}
